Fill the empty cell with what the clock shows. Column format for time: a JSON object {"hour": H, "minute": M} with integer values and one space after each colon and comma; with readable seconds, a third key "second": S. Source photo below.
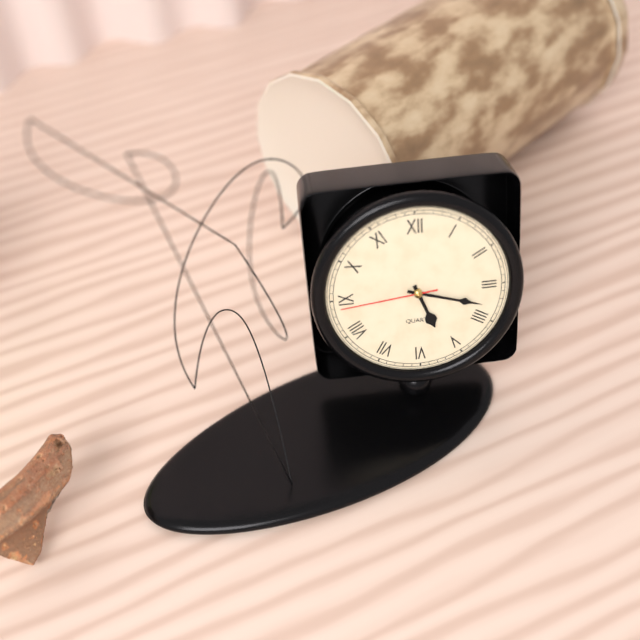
{"hour": 5, "minute": 18, "second": 44}
